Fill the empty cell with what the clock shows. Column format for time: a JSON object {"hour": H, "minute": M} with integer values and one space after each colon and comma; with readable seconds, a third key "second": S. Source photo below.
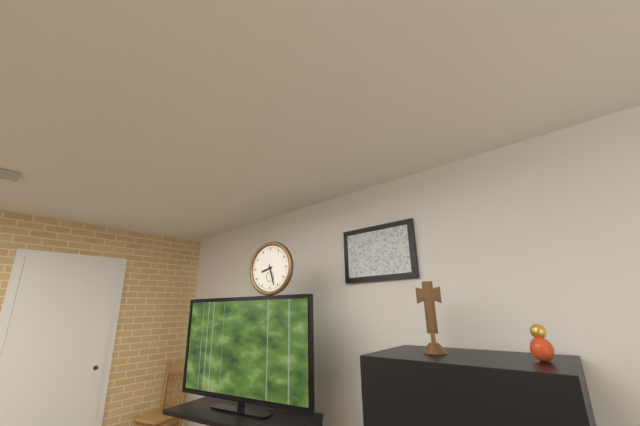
{"hour": 8, "minute": 27}
